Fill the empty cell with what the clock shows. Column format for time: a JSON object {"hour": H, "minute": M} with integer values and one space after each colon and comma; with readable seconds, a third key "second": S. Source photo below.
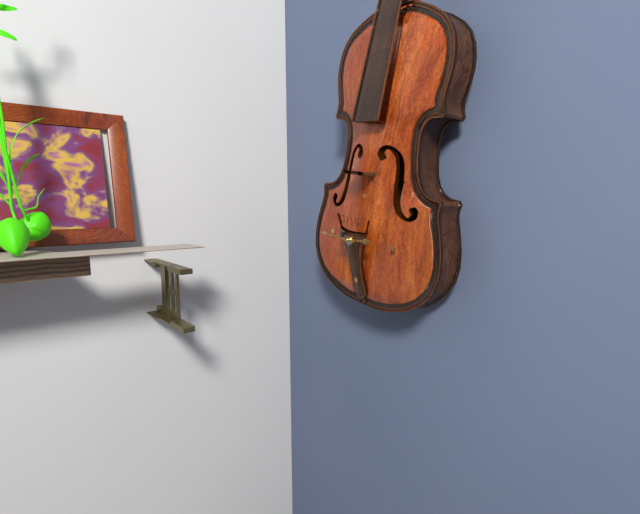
{"hour": 2, "minute": 45}
